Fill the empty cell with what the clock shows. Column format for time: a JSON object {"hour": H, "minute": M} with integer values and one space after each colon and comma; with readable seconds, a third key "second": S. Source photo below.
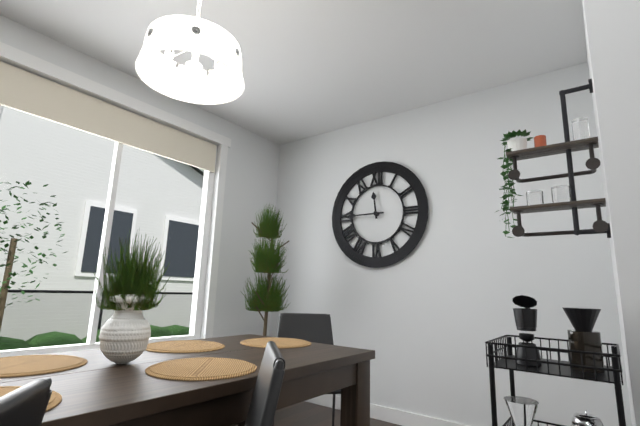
{"hour": 11, "minute": 45}
